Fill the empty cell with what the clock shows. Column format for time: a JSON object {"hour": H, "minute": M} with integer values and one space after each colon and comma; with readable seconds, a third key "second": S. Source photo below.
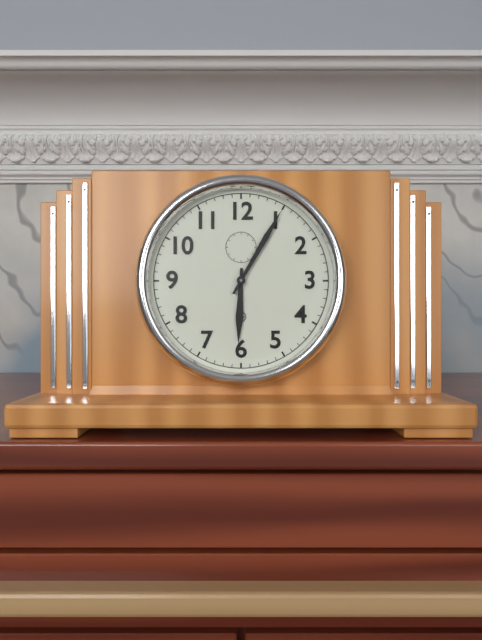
{"hour": 6, "minute": 5}
